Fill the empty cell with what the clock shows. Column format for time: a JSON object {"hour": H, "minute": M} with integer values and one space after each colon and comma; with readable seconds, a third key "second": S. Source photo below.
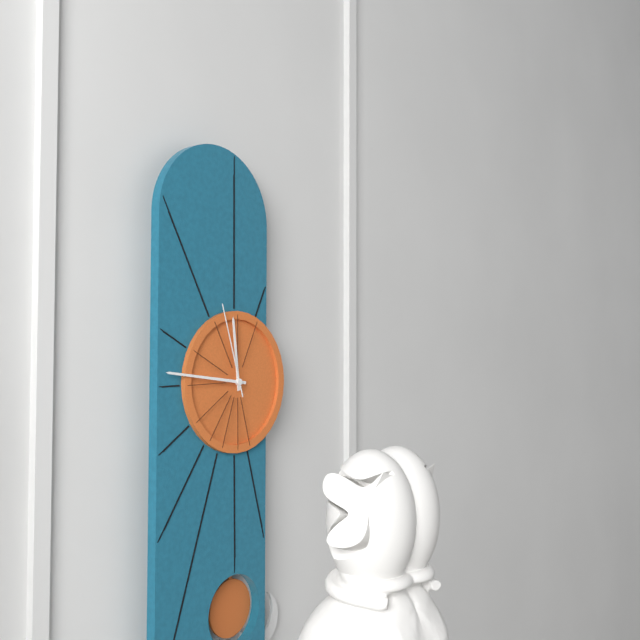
{"hour": 11, "minute": 46, "second": 57}
